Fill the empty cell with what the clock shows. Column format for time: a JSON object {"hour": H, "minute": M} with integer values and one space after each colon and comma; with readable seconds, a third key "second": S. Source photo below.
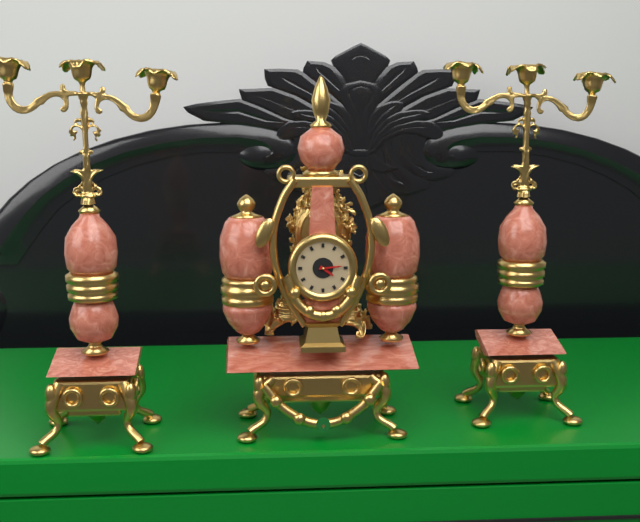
{"hour": 4, "minute": 14}
